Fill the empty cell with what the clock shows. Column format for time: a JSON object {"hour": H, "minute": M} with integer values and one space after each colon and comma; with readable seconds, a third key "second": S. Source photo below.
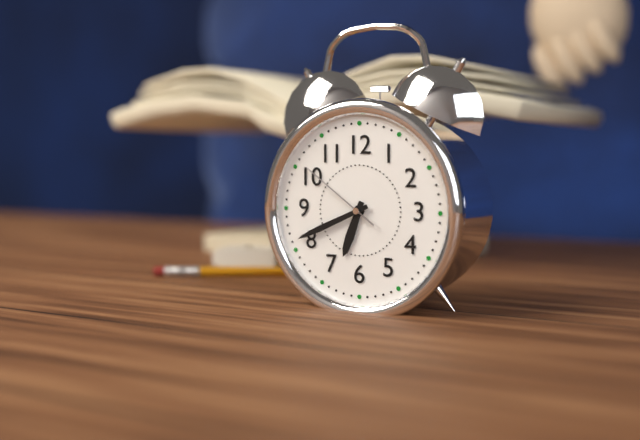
{"hour": 6, "minute": 41, "second": 51}
